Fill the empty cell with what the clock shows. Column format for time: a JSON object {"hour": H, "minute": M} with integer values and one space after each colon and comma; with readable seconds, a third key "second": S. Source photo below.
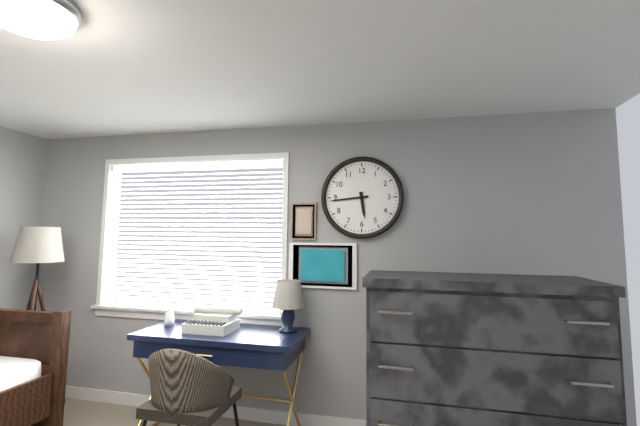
{"hour": 5, "minute": 44}
